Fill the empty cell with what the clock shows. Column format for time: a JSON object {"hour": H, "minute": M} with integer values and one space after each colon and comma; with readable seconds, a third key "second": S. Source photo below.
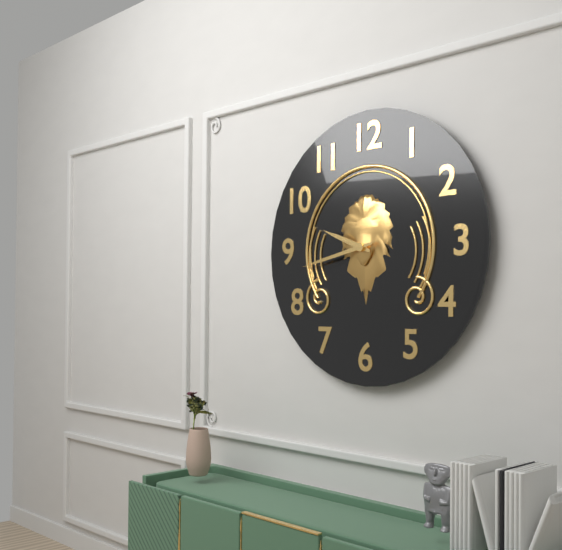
{"hour": 9, "minute": 43}
